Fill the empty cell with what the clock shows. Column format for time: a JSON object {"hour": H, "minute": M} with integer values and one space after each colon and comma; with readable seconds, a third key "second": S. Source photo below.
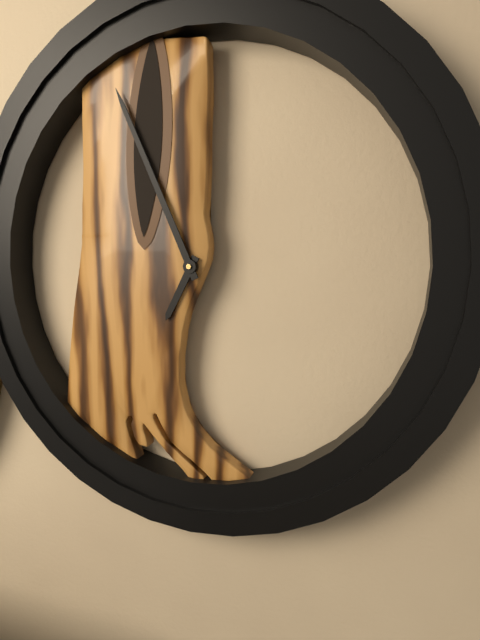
{"hour": 6, "minute": 56}
